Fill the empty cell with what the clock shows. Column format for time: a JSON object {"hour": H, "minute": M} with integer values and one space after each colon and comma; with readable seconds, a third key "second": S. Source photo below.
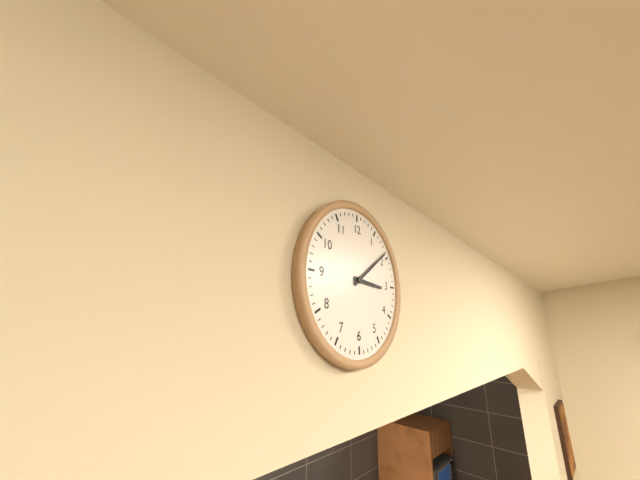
{"hour": 3, "minute": 9}
